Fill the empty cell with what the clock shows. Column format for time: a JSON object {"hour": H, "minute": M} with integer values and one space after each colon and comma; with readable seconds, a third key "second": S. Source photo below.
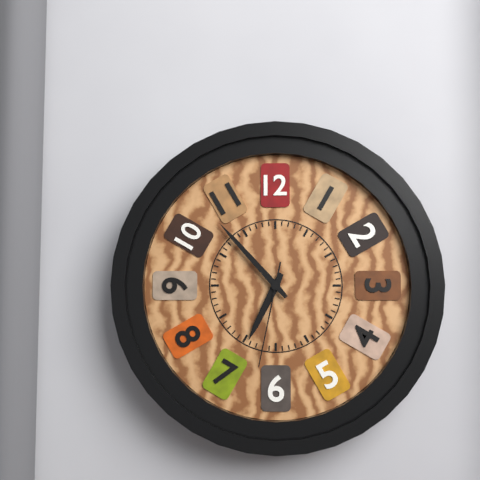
{"hour": 6, "minute": 53, "second": 32}
